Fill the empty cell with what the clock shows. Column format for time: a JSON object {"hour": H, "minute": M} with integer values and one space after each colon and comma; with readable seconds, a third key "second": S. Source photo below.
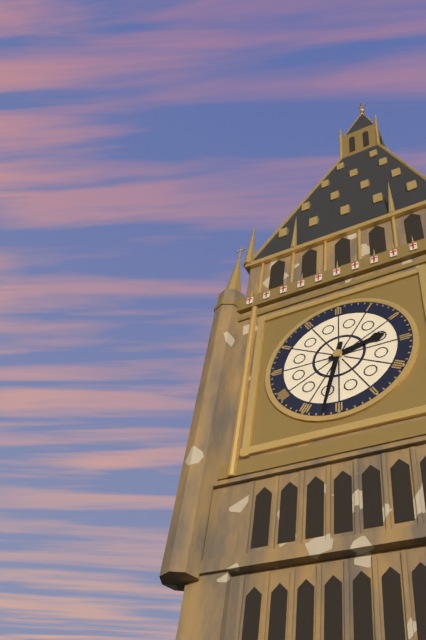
{"hour": 2, "minute": 32}
